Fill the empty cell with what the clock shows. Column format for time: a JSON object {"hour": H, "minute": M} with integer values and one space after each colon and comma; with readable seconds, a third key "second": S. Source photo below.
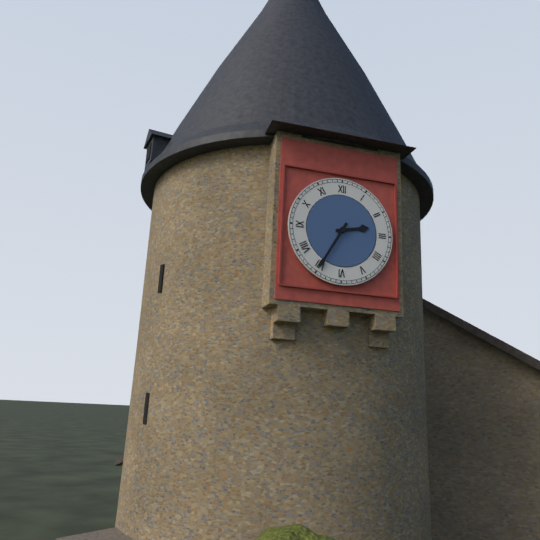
{"hour": 2, "minute": 35}
